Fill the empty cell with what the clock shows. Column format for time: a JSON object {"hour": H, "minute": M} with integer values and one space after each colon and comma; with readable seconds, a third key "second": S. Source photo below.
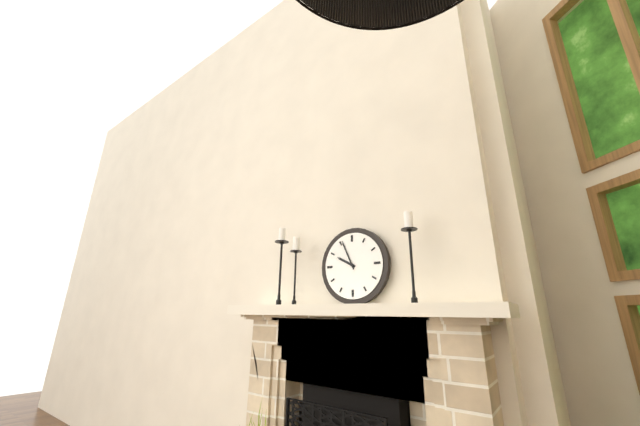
{"hour": 9, "minute": 56}
